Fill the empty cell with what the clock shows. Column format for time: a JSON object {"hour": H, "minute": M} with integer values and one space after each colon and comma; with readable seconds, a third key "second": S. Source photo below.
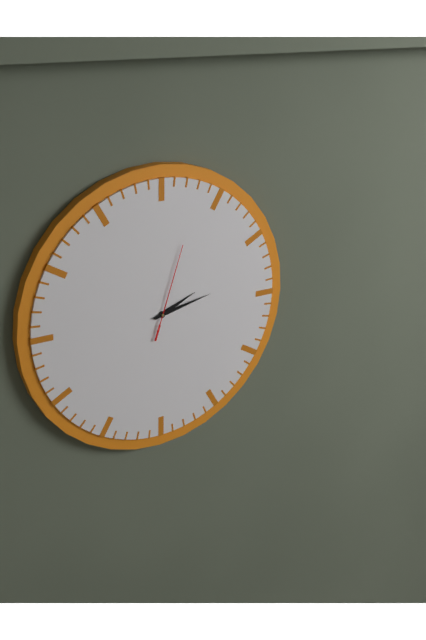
{"hour": 2, "minute": 13, "second": 3}
